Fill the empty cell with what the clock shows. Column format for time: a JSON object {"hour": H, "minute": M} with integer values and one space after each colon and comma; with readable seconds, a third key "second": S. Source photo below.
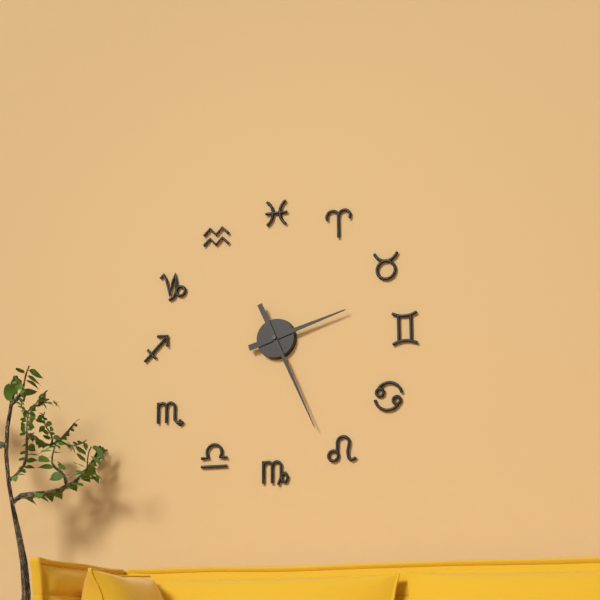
{"hour": 2, "minute": 26}
